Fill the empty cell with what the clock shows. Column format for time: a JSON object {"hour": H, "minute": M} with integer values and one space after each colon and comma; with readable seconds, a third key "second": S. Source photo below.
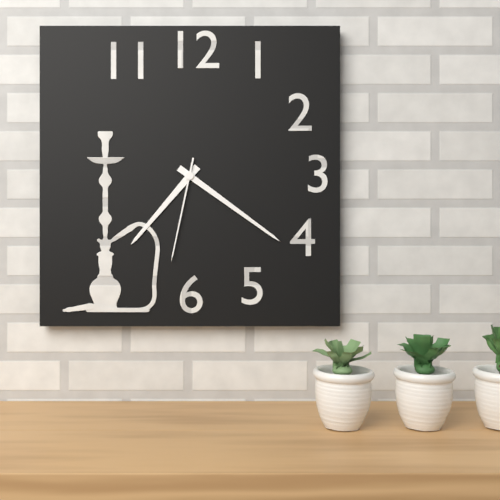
{"hour": 7, "minute": 21, "second": 32}
